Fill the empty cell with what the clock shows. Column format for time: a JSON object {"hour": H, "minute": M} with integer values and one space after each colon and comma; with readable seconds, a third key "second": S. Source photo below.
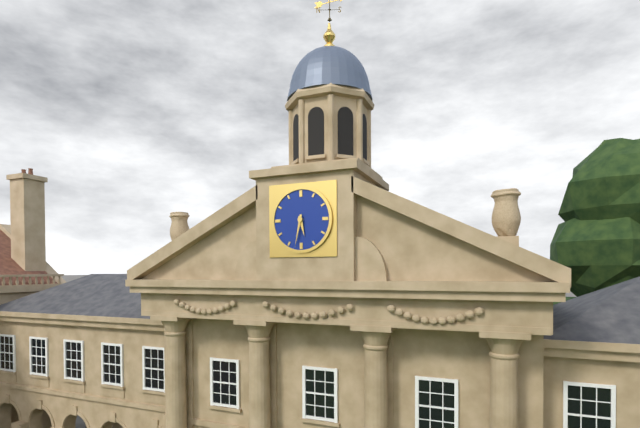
{"hour": 5, "minute": 32}
